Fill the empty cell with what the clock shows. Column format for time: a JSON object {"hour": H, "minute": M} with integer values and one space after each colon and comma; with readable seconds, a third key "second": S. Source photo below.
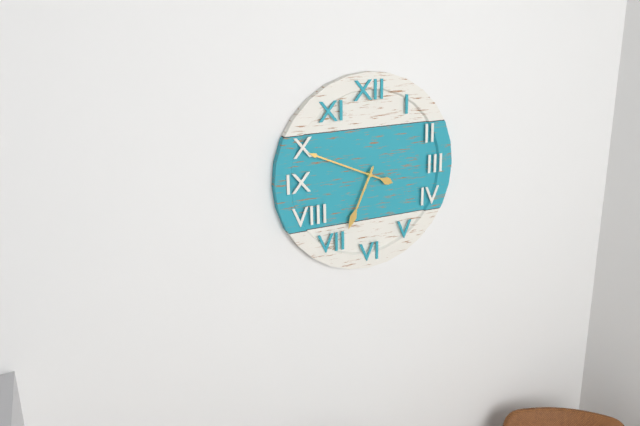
{"hour": 6, "minute": 49}
